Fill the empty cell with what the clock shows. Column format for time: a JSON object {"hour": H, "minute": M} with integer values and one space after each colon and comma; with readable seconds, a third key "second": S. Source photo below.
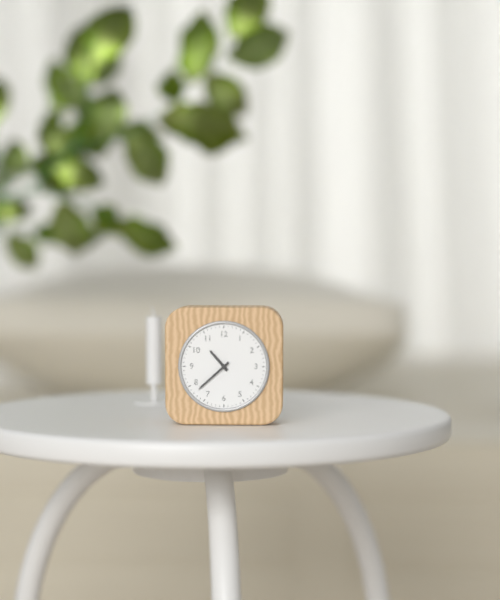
{"hour": 10, "minute": 38}
